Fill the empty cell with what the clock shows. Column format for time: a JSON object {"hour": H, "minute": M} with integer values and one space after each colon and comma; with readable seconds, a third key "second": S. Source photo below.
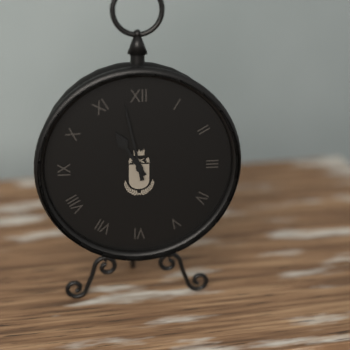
{"hour": 10, "minute": 58}
